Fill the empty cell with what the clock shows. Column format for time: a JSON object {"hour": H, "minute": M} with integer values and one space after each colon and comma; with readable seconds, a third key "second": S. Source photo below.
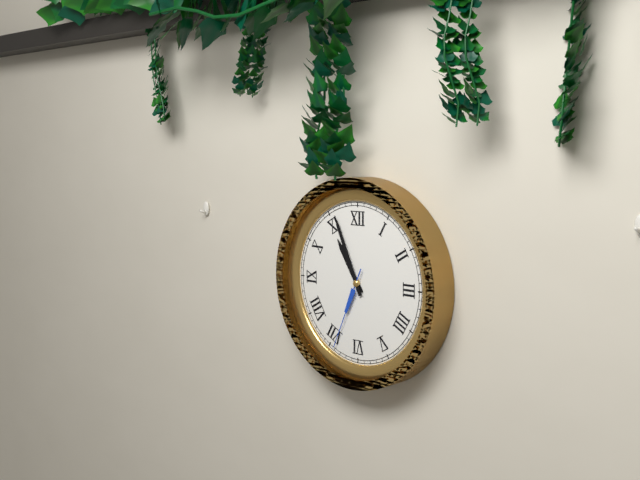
{"hour": 10, "minute": 56, "second": 34}
